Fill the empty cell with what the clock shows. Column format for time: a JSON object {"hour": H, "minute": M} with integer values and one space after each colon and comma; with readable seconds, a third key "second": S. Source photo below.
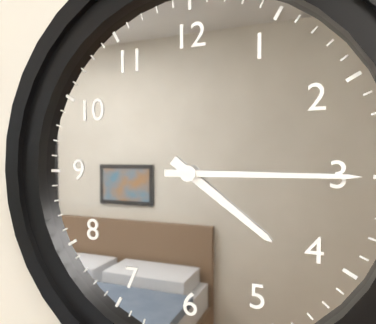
{"hour": 4, "minute": 15}
